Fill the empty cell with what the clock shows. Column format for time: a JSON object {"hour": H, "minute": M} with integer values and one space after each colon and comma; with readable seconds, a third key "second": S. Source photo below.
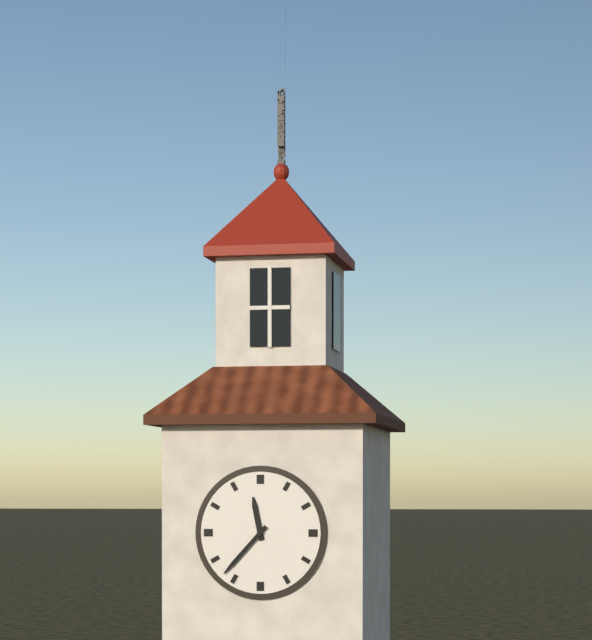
{"hour": 11, "minute": 37}
